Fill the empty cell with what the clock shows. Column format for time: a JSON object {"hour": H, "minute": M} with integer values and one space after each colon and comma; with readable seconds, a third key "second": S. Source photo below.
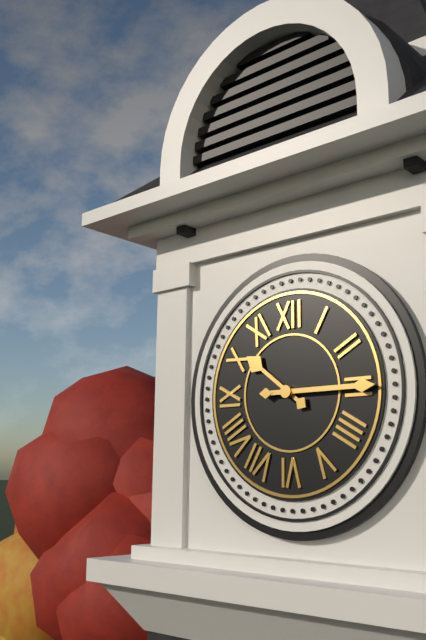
{"hour": 10, "minute": 15}
